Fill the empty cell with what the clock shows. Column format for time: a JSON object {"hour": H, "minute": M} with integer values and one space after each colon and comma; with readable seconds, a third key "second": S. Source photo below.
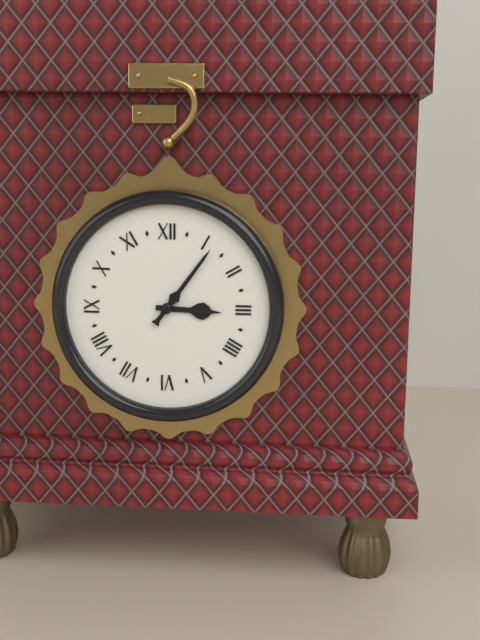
{"hour": 3, "minute": 6}
